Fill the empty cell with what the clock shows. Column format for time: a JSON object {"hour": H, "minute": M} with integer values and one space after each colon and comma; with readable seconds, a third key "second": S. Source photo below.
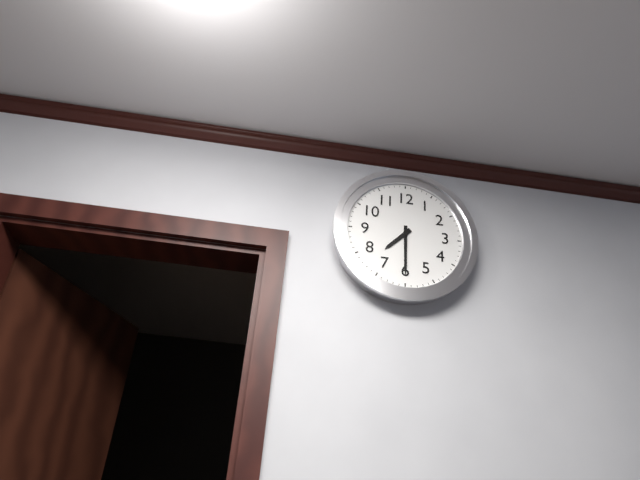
{"hour": 7, "minute": 30}
